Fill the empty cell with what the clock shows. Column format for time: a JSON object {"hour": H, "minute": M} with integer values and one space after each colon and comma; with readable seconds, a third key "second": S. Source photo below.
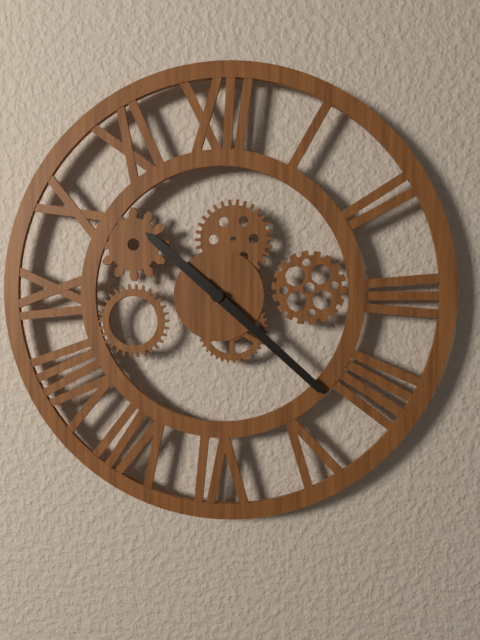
{"hour": 10, "minute": 22}
